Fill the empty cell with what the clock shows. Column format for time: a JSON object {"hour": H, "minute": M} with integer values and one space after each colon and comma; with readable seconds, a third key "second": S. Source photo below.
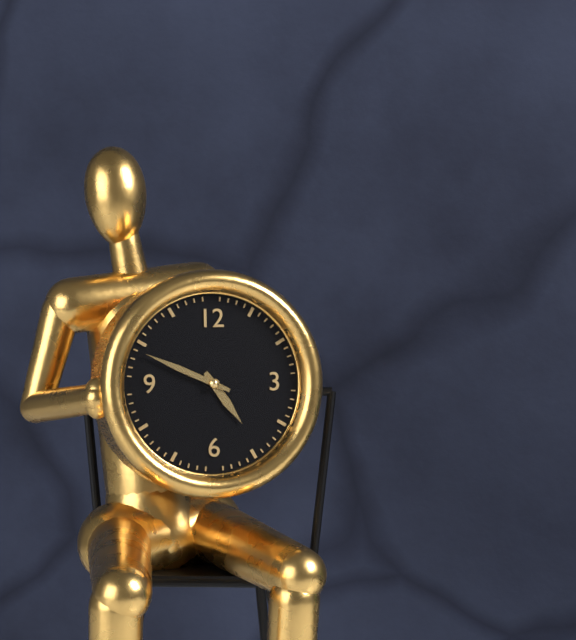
{"hour": 4, "minute": 49}
